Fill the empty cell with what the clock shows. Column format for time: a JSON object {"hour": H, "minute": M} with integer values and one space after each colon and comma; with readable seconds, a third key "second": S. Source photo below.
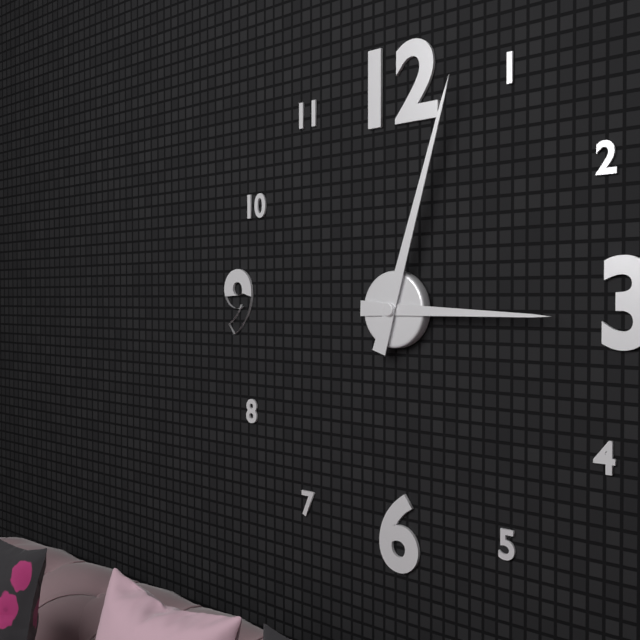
{"hour": 3, "minute": 3}
